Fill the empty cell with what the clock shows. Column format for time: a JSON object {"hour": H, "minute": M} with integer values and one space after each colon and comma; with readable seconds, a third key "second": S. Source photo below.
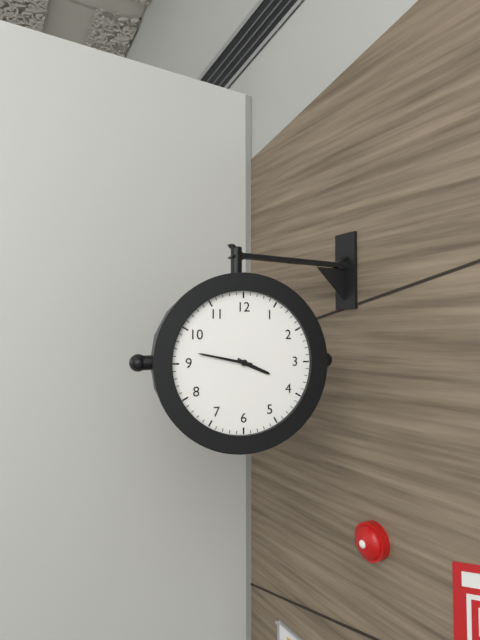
{"hour": 3, "minute": 47}
